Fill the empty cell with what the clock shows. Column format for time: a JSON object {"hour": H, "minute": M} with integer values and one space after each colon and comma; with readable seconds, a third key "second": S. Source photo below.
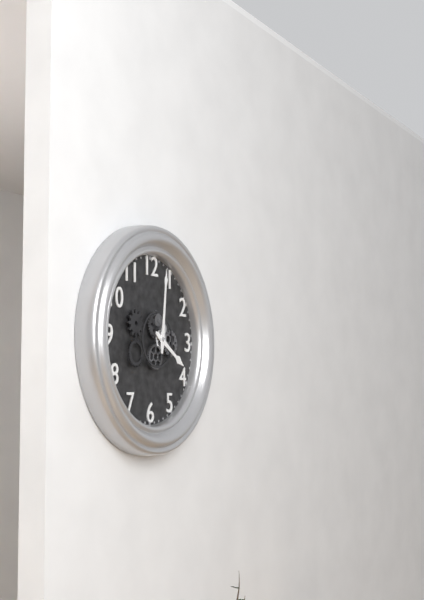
{"hour": 4, "minute": 1}
